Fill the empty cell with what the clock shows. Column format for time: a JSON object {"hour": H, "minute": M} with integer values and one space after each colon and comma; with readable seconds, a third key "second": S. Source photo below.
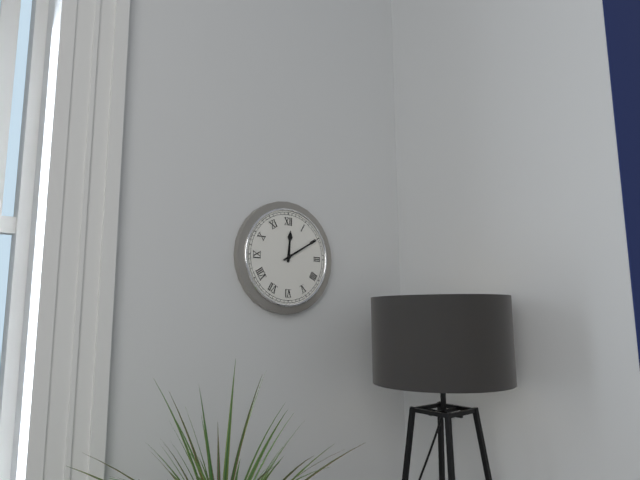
{"hour": 12, "minute": 10}
